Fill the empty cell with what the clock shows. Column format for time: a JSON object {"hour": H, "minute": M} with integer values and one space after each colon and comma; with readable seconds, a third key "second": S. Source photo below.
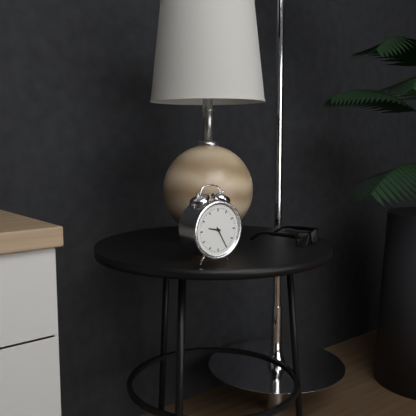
{"hour": 9, "minute": 25}
